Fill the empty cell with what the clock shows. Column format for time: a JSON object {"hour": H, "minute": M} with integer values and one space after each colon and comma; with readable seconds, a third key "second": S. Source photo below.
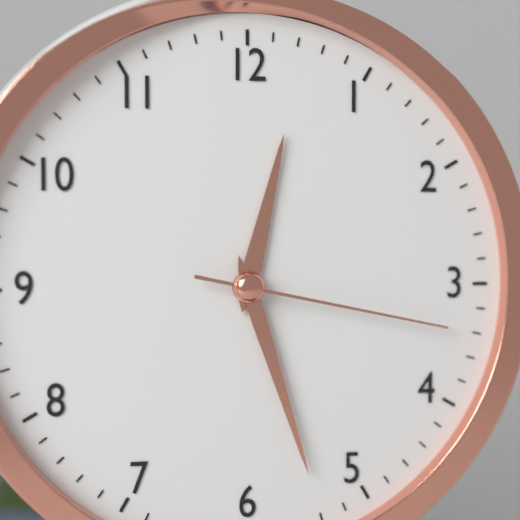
{"hour": 12, "minute": 27, "second": 17}
